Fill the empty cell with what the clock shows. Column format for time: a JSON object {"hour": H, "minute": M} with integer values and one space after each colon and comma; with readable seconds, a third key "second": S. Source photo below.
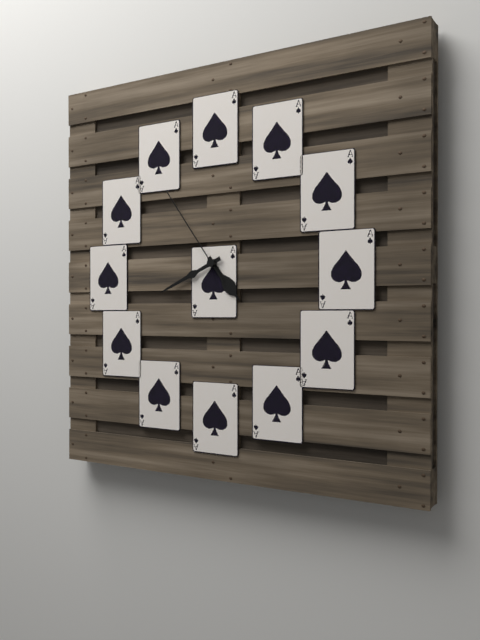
{"hour": 4, "minute": 41, "second": 54}
